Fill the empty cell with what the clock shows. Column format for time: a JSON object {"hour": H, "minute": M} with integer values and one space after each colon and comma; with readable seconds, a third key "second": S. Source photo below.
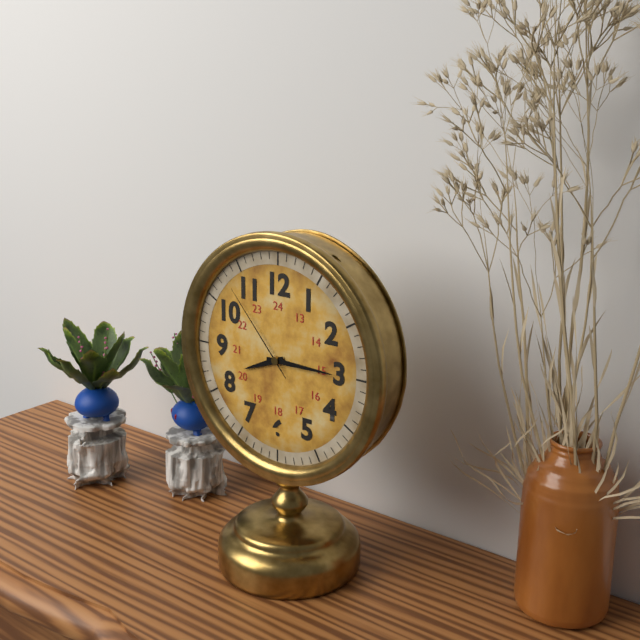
{"hour": 8, "minute": 15, "second": 53}
